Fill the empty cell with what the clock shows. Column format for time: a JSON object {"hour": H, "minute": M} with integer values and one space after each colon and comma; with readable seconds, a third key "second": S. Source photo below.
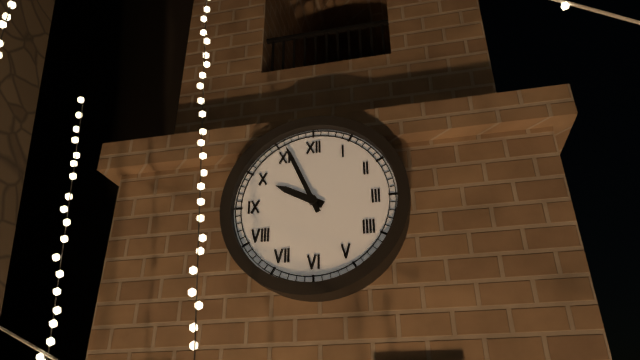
{"hour": 9, "minute": 56}
